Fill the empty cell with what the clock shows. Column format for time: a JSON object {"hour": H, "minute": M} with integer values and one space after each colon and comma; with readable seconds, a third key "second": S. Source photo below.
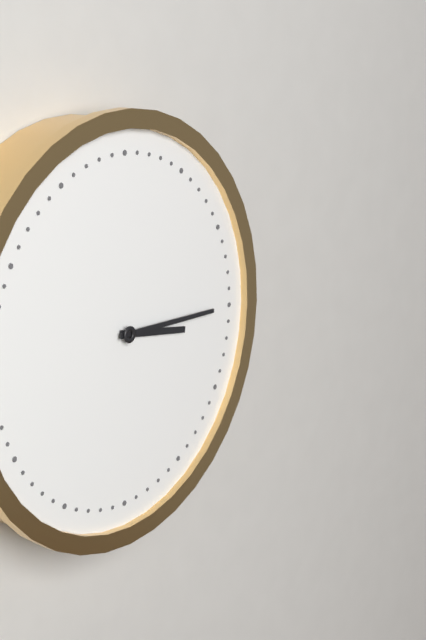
{"hour": 3, "minute": 15}
